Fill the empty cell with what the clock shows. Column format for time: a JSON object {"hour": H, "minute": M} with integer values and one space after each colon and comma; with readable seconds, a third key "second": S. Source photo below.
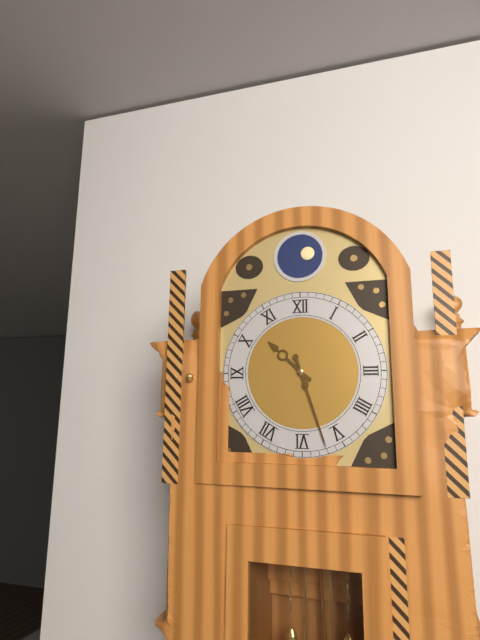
{"hour": 10, "minute": 27}
